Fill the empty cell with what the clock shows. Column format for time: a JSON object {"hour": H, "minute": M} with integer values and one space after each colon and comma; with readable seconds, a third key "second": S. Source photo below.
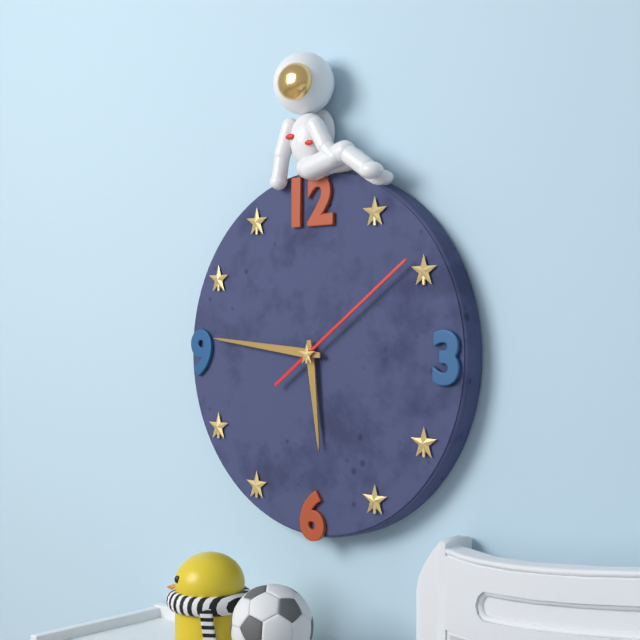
{"hour": 5, "minute": 46, "second": 9}
